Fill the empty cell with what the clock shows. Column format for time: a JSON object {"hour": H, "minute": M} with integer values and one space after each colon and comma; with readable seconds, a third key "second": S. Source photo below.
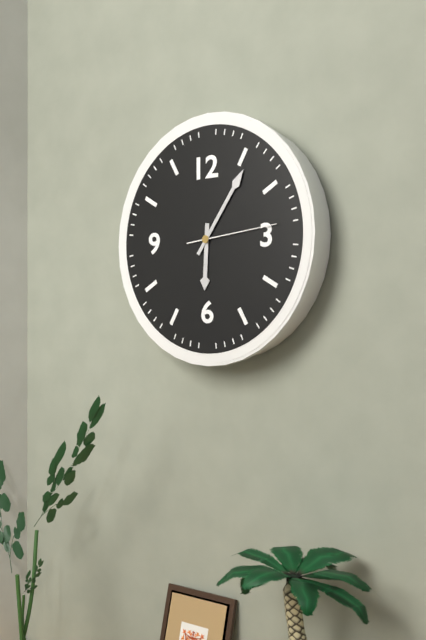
{"hour": 6, "minute": 6, "second": 14}
